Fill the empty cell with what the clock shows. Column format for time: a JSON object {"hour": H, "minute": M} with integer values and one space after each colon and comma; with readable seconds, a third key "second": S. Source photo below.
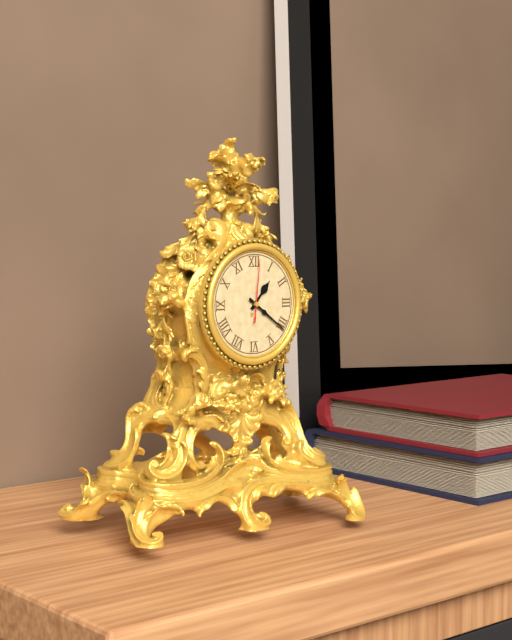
{"hour": 1, "minute": 21, "second": 1}
